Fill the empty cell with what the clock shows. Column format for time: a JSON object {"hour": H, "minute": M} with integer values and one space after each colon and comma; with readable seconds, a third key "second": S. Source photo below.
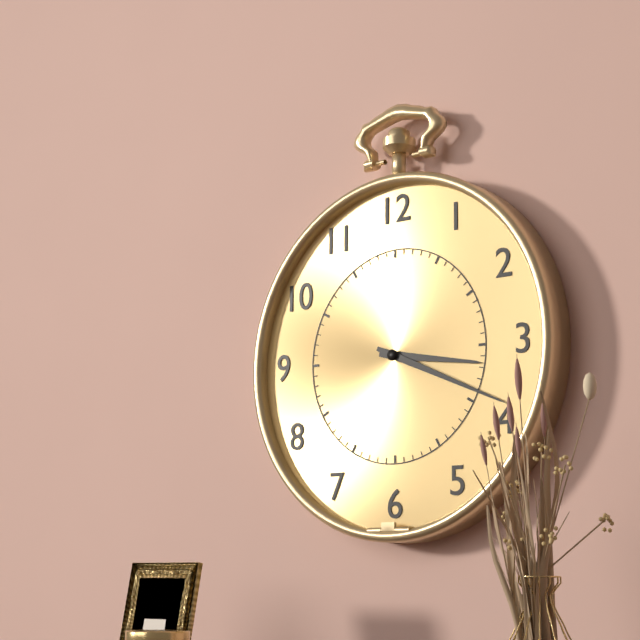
{"hour": 3, "minute": 19}
